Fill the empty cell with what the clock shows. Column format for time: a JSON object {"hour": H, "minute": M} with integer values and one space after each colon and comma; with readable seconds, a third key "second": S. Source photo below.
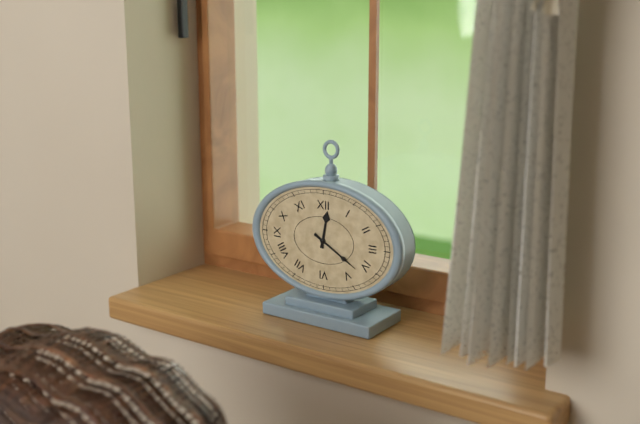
{"hour": 12, "minute": 20}
